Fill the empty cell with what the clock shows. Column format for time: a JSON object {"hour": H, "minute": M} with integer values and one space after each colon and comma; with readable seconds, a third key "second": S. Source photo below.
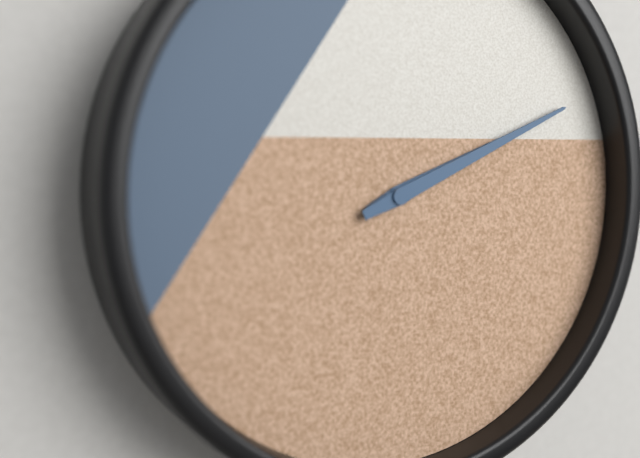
{"hour": 2, "minute": 11}
